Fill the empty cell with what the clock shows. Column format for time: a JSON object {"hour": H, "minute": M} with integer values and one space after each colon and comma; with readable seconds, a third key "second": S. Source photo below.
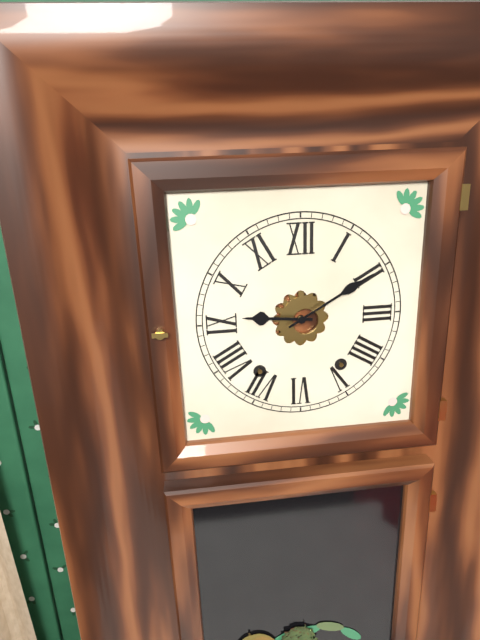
{"hour": 9, "minute": 10}
